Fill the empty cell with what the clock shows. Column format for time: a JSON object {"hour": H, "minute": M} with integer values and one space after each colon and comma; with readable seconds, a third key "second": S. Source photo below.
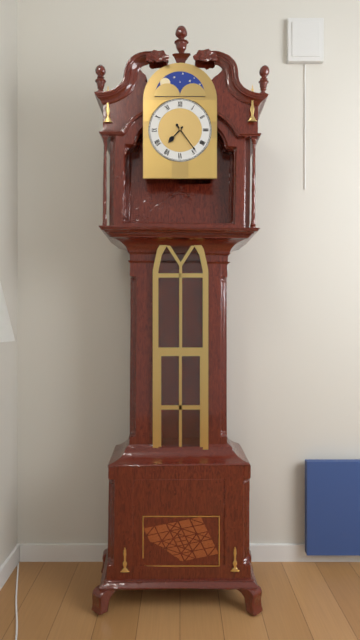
{"hour": 7, "minute": 24}
